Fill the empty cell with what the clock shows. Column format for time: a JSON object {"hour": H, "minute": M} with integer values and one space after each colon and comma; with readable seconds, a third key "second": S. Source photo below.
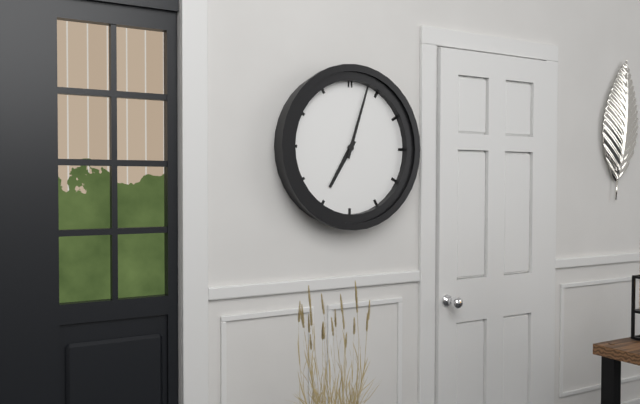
{"hour": 7, "minute": 3}
